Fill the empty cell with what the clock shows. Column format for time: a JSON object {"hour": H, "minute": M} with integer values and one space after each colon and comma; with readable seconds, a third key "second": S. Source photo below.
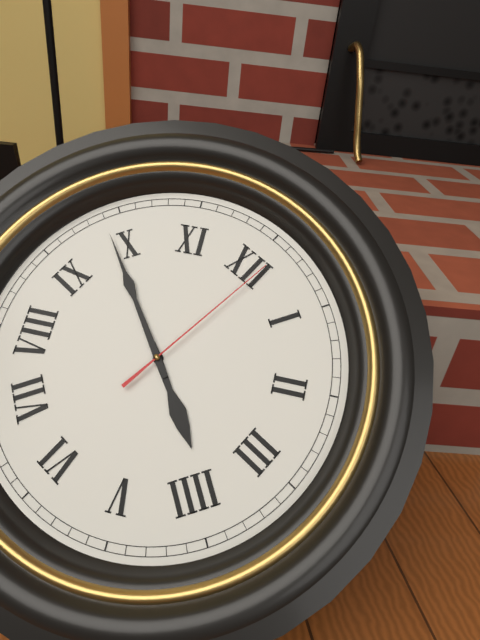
{"hour": 3, "minute": 49, "second": 1}
